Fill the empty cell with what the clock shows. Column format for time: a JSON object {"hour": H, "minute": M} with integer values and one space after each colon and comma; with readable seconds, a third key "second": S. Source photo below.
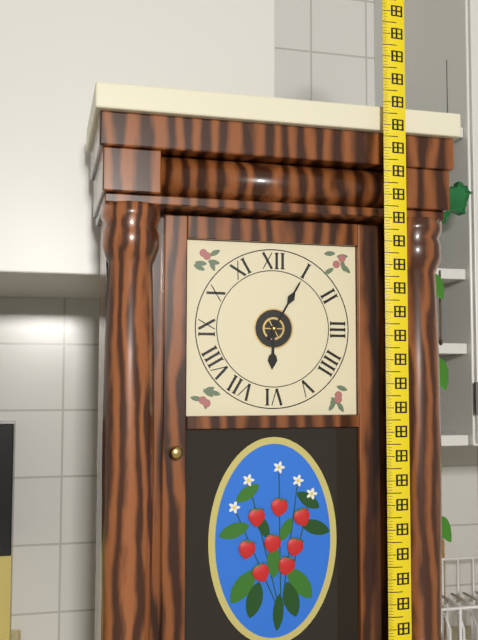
{"hour": 6, "minute": 5}
